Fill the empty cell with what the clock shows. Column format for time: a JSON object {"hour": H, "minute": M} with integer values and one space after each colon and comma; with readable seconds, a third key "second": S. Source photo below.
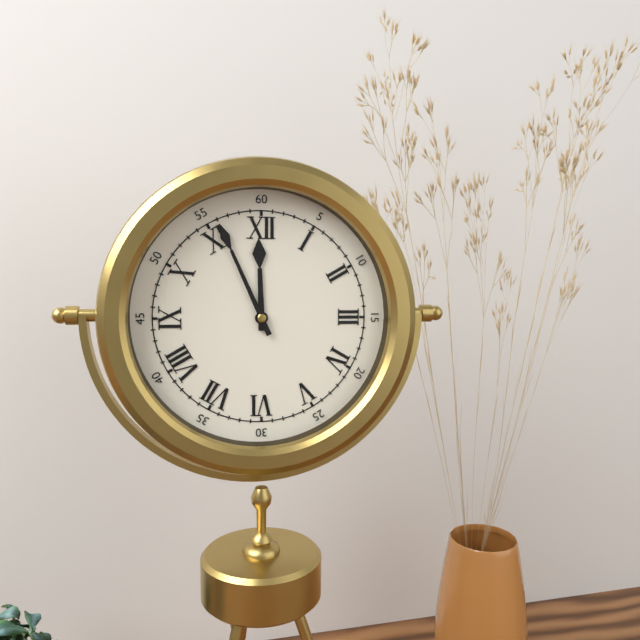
{"hour": 11, "minute": 56}
